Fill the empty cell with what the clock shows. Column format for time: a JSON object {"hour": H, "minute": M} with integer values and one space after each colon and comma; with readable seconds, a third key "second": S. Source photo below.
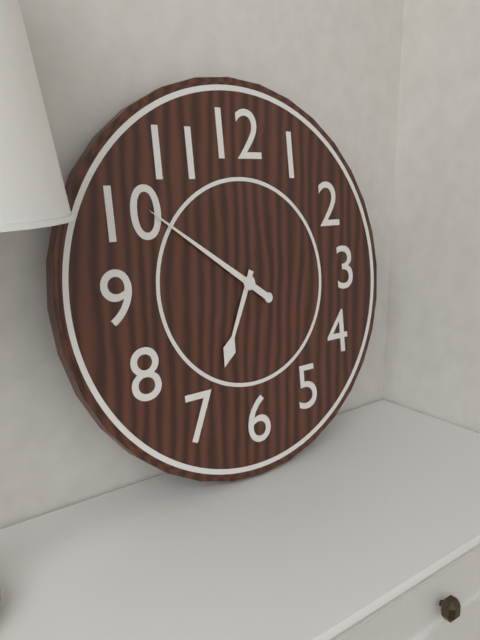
{"hour": 6, "minute": 51}
